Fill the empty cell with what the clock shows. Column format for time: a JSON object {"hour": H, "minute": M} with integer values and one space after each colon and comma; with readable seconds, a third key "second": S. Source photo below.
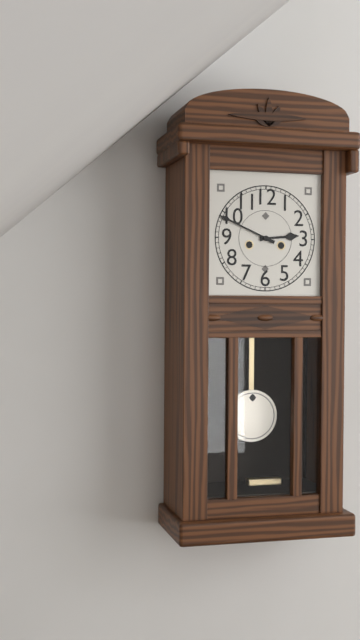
{"hour": 2, "minute": 49}
